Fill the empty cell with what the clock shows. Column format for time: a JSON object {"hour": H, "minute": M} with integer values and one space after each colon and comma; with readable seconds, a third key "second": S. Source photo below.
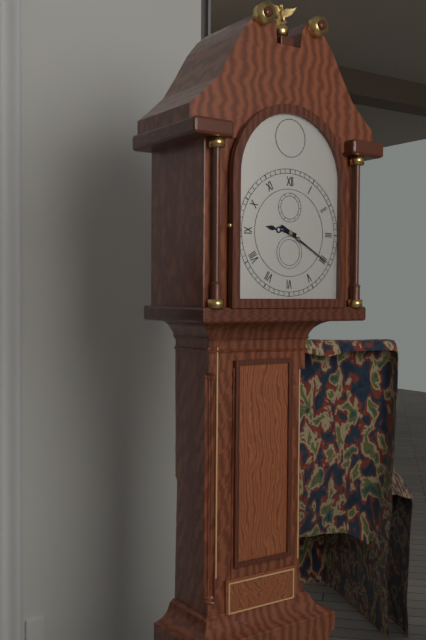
{"hour": 9, "minute": 20}
